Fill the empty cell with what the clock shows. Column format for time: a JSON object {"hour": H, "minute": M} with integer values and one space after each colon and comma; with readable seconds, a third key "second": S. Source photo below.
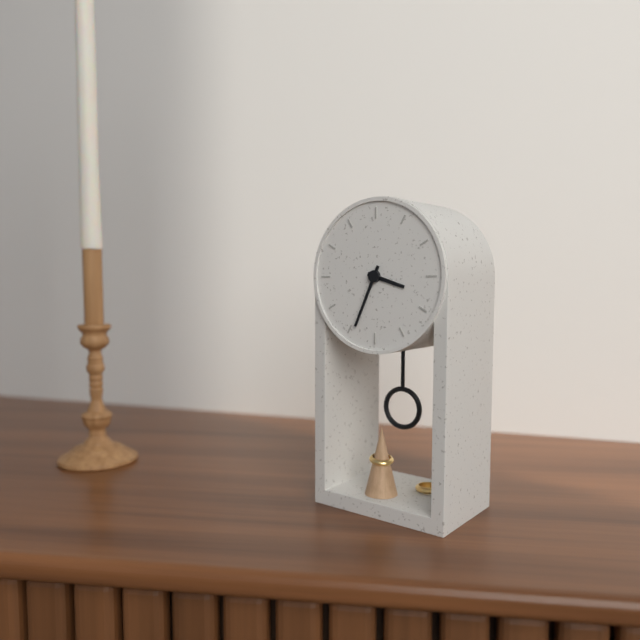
{"hour": 3, "minute": 34}
